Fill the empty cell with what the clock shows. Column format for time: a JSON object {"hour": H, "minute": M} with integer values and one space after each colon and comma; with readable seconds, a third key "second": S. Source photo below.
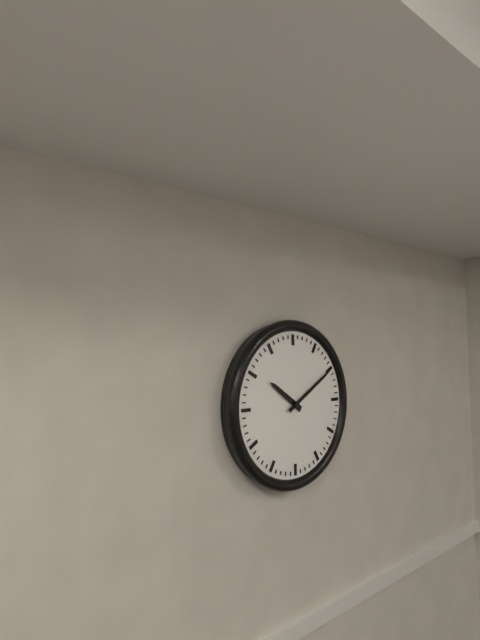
{"hour": 10, "minute": 10}
